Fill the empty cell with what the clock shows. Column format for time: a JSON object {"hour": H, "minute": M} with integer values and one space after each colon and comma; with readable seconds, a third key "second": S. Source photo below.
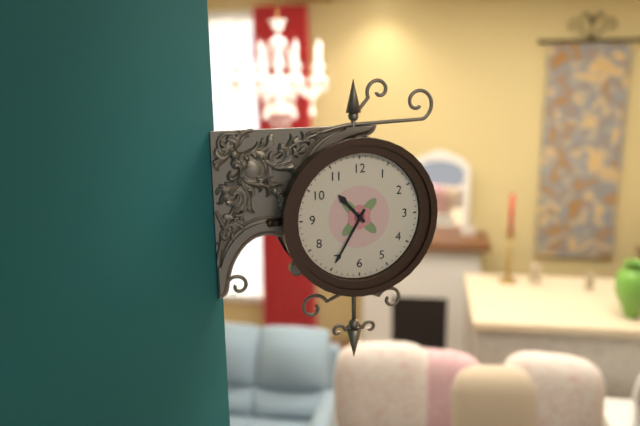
{"hour": 10, "minute": 35}
